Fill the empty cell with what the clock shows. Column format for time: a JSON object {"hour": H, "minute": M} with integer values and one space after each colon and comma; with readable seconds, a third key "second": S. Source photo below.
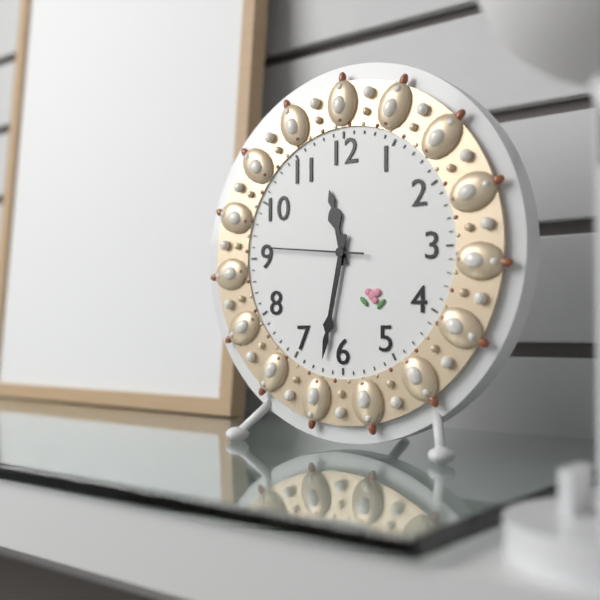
{"hour": 11, "minute": 32, "second": 46}
